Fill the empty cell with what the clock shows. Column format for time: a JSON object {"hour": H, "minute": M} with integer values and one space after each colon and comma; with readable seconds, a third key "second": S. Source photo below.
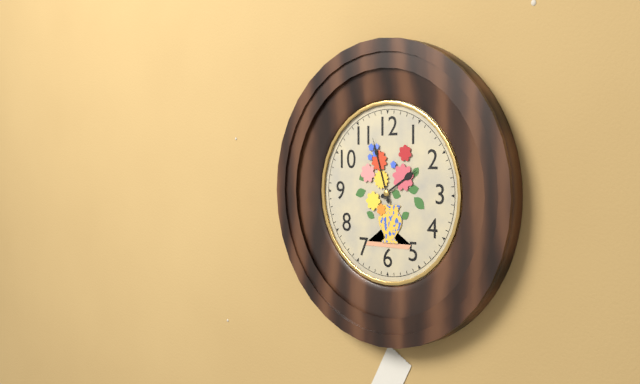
{"hour": 1, "minute": 57}
